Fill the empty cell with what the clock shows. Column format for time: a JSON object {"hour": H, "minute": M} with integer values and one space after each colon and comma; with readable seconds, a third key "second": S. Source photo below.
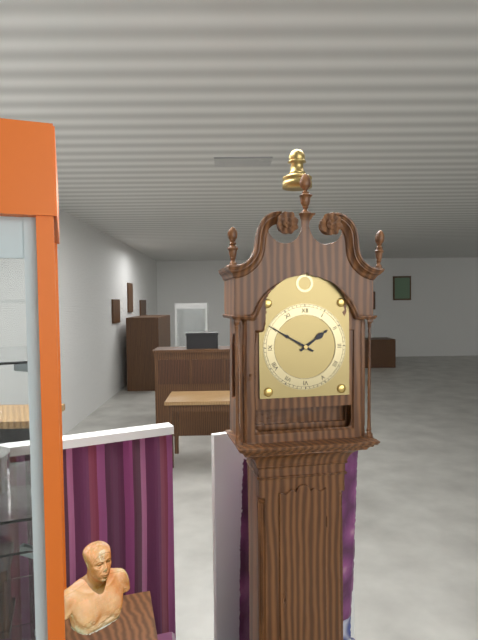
{"hour": 1, "minute": 50}
